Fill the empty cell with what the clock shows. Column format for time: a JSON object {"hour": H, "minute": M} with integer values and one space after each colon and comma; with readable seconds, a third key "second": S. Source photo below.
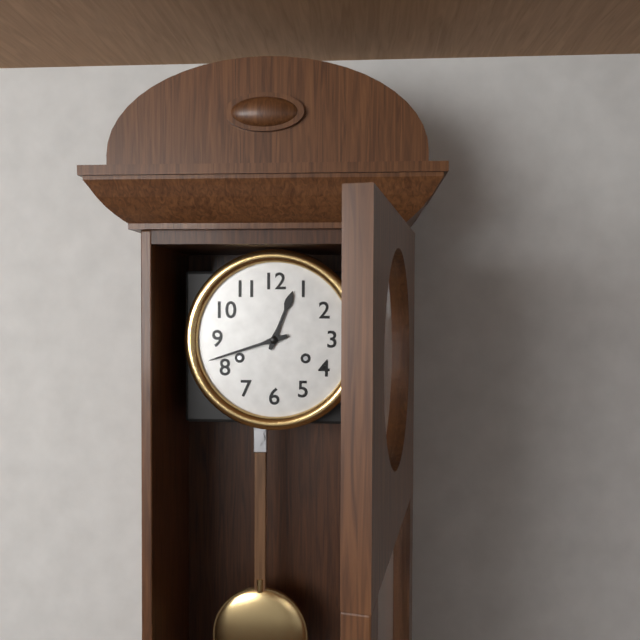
{"hour": 12, "minute": 42}
